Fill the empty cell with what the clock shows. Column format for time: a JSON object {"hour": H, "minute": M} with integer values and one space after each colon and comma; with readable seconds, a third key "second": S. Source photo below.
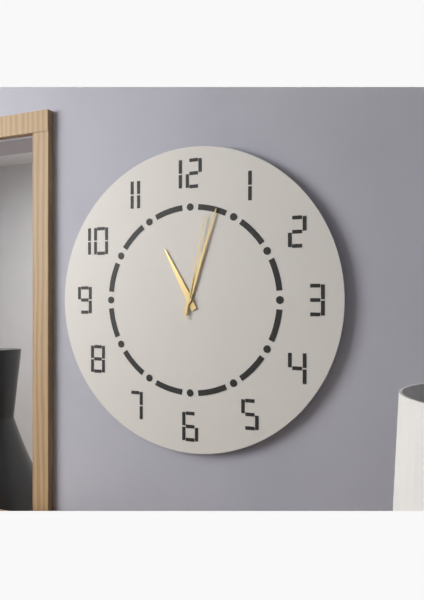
{"hour": 11, "minute": 3, "second": 2}
